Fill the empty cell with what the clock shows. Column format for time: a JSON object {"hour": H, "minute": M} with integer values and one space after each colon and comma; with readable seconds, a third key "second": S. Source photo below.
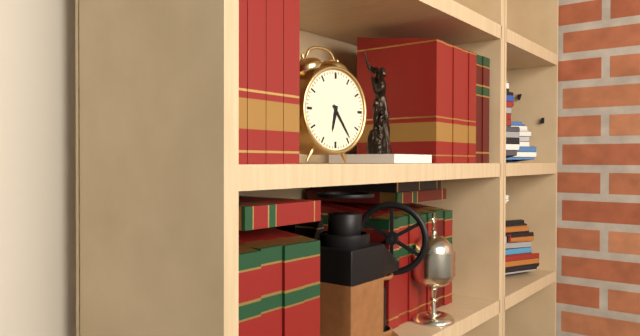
{"hour": 6, "minute": 24}
